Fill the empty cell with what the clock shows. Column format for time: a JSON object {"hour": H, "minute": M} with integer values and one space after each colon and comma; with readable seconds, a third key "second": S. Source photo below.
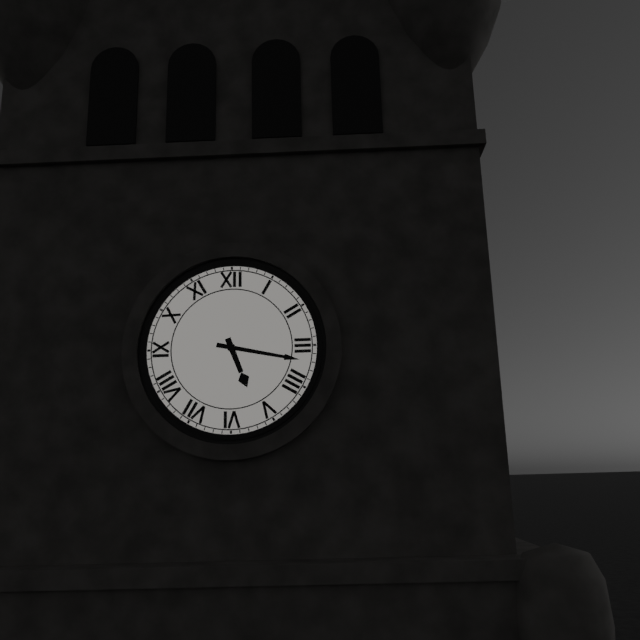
{"hour": 5, "minute": 17}
